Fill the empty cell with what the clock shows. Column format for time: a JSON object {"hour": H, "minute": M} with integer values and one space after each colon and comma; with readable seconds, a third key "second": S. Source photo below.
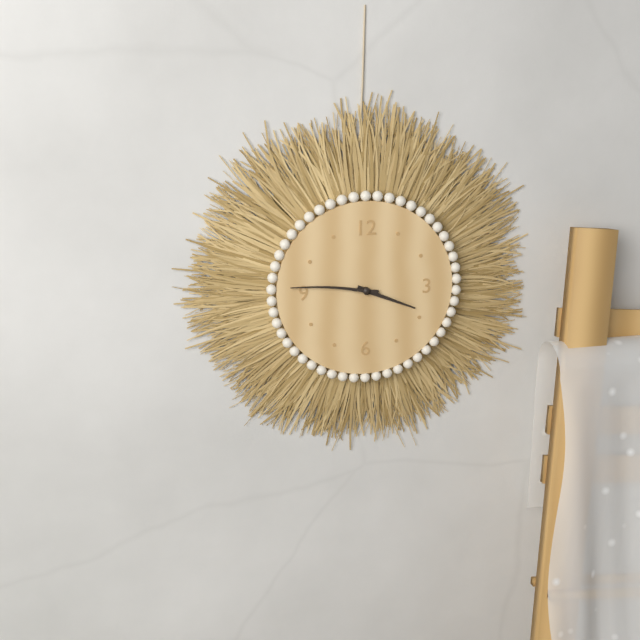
{"hour": 3, "minute": 46}
